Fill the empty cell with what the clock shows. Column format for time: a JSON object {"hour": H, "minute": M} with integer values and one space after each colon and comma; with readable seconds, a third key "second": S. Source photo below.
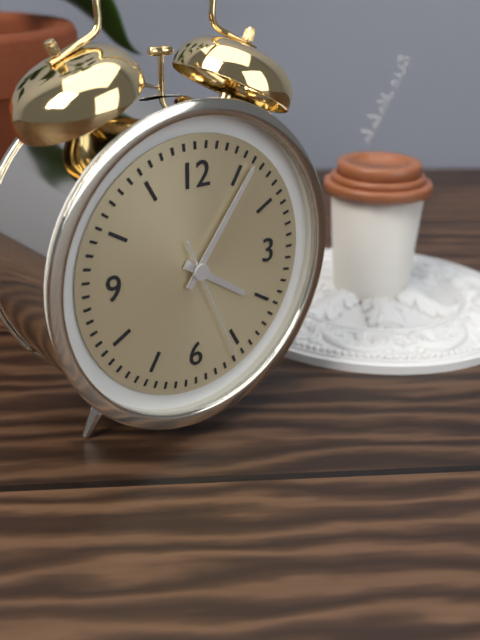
{"hour": 4, "minute": 6, "second": 26}
